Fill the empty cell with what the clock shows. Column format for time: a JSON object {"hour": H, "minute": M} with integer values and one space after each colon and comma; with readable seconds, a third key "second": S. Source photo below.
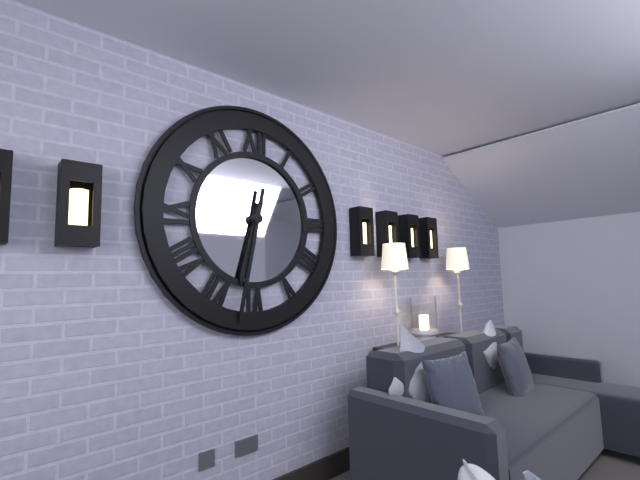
{"hour": 6, "minute": 32}
